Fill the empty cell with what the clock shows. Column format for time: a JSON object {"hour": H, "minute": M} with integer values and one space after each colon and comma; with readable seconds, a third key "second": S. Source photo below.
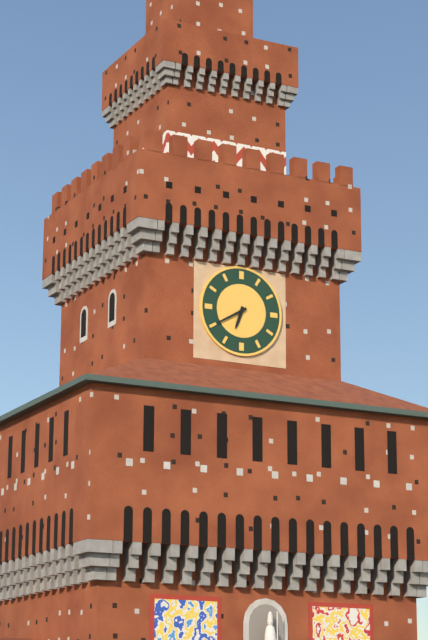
{"hour": 6, "minute": 40}
